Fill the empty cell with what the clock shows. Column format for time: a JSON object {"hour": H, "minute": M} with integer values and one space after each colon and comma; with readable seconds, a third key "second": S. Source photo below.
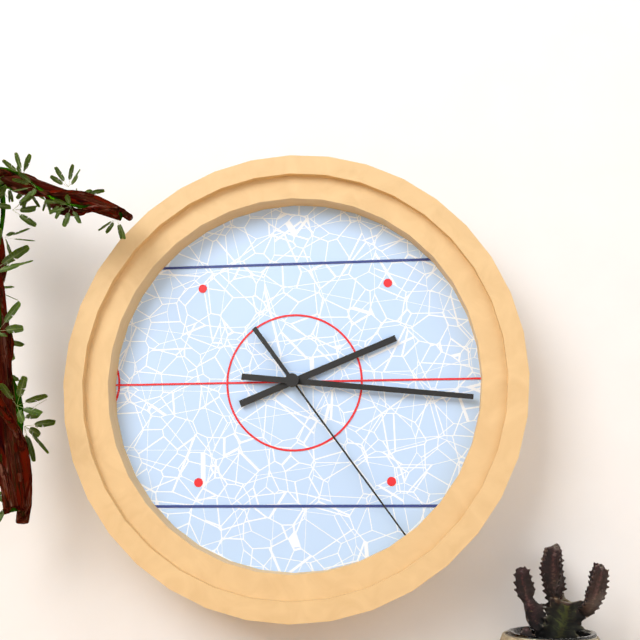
{"hour": 2, "minute": 16, "second": 24}
